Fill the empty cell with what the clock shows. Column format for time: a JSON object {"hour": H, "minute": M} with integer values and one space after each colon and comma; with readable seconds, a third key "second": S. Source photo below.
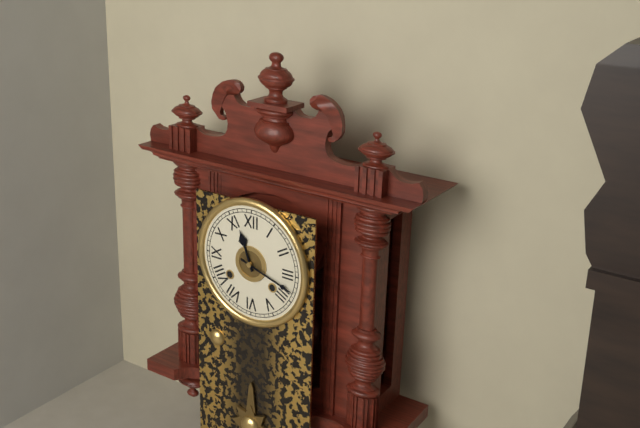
{"hour": 11, "minute": 18}
